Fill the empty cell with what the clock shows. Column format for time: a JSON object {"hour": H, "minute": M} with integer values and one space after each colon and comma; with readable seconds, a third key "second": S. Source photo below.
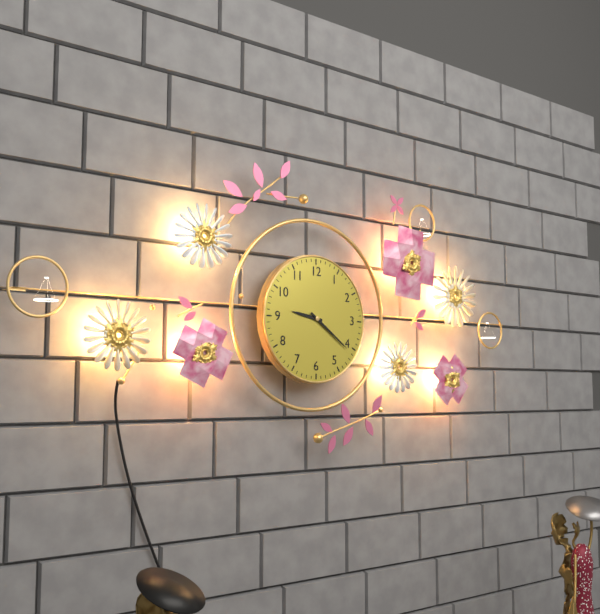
{"hour": 9, "minute": 21}
